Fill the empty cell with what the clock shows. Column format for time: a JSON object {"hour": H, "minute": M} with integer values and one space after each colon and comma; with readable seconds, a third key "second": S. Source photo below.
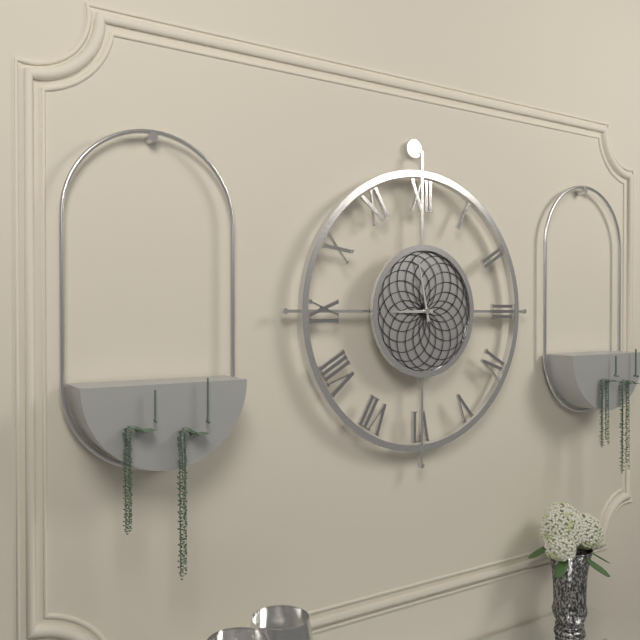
{"hour": 8, "minute": 58}
